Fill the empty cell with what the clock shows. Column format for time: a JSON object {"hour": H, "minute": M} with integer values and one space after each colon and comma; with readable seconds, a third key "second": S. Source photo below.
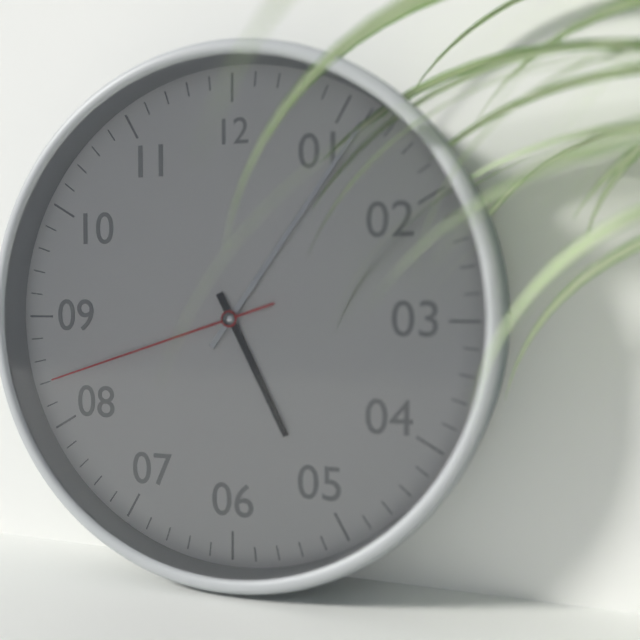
{"hour": 5, "minute": 6, "second": 42}
